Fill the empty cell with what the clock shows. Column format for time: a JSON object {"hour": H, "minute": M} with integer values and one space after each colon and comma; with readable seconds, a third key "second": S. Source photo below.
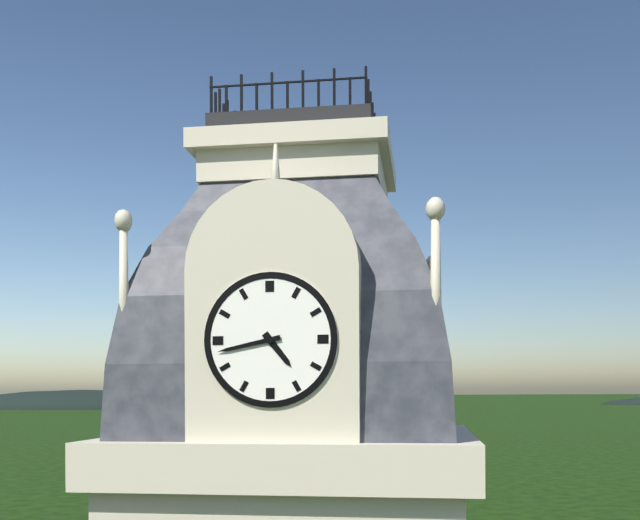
{"hour": 4, "minute": 43}
